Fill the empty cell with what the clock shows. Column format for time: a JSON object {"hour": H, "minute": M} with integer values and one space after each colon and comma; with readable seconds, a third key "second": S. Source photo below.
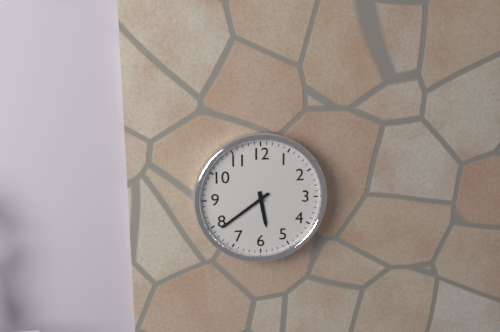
{"hour": 5, "minute": 39}
